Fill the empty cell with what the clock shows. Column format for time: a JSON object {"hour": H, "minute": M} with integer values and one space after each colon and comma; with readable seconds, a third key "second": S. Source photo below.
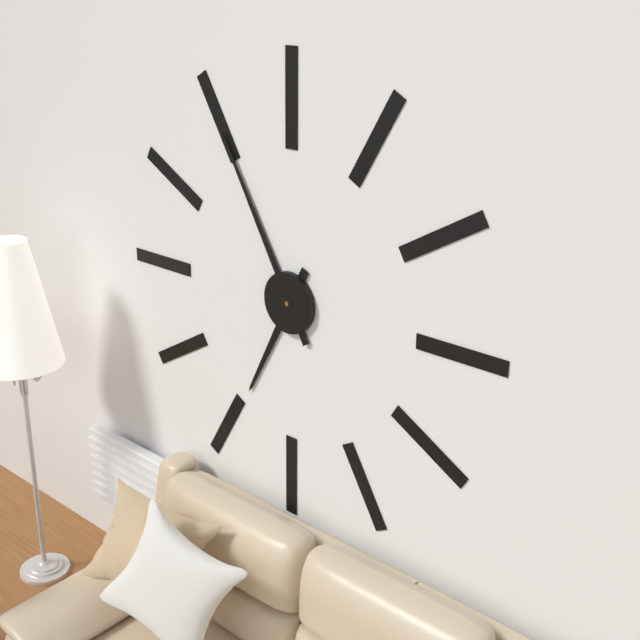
{"hour": 6, "minute": 55}
